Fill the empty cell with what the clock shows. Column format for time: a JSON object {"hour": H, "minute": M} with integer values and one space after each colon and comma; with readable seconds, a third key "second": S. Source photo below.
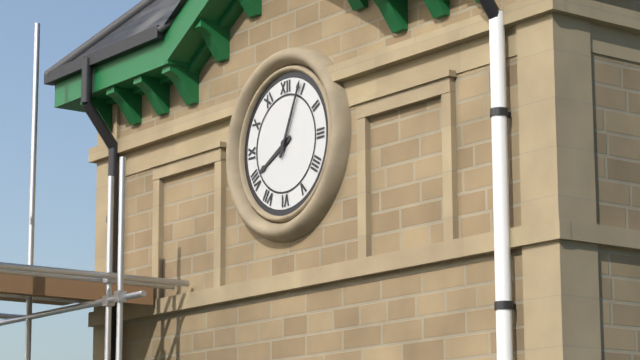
{"hour": 8, "minute": 4}
